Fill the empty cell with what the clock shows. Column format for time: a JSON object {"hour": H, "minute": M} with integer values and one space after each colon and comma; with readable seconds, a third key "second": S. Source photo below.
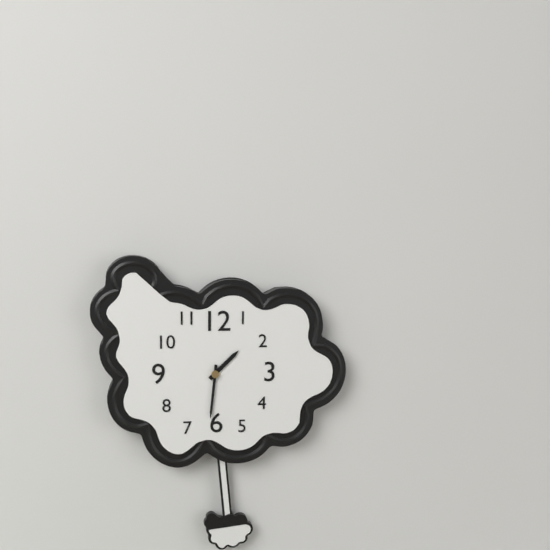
{"hour": 1, "minute": 31}
